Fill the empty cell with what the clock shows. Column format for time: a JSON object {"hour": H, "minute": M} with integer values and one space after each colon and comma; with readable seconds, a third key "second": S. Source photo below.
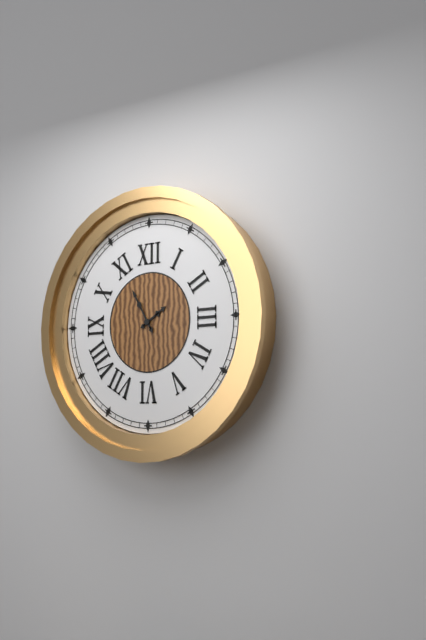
{"hour": 1, "minute": 55}
